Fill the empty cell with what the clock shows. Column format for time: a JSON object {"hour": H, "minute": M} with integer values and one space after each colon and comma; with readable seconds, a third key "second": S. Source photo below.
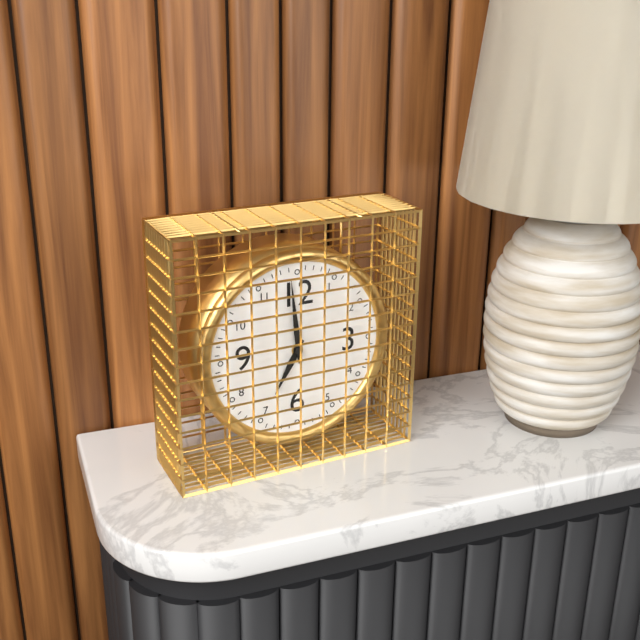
{"hour": 6, "minute": 59}
